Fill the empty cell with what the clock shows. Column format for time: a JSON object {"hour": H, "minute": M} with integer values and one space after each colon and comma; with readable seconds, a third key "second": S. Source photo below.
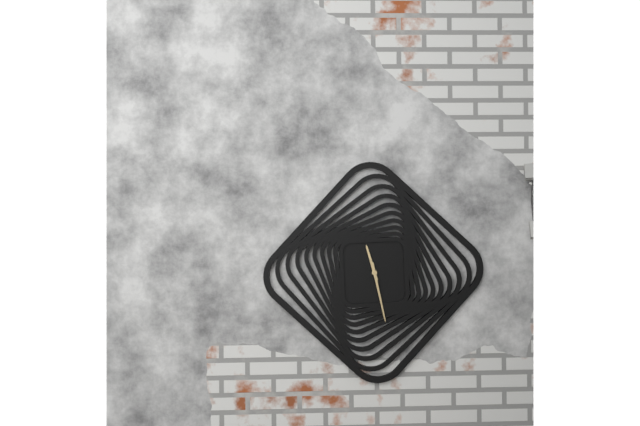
{"hour": 11, "minute": 28}
